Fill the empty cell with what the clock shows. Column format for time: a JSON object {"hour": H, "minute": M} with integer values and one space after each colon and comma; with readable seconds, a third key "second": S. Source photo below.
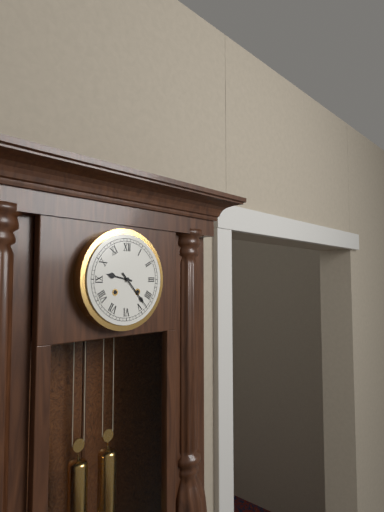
{"hour": 9, "minute": 23}
